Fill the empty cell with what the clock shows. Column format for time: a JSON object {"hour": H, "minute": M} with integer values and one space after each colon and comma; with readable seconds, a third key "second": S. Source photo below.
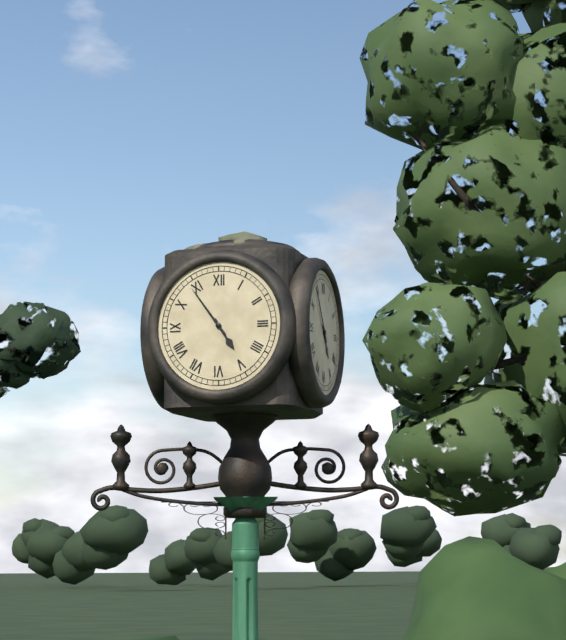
{"hour": 4, "minute": 54}
